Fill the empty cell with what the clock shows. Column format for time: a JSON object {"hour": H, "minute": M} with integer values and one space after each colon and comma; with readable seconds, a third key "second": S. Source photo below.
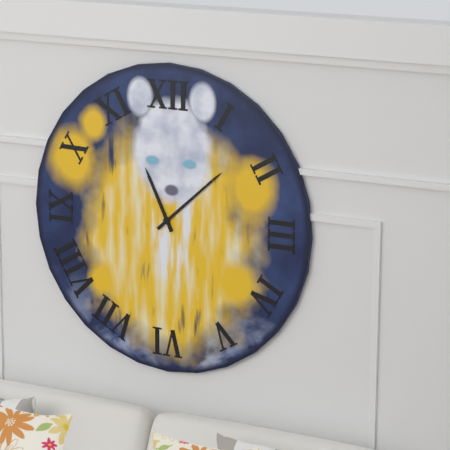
{"hour": 11, "minute": 8}
